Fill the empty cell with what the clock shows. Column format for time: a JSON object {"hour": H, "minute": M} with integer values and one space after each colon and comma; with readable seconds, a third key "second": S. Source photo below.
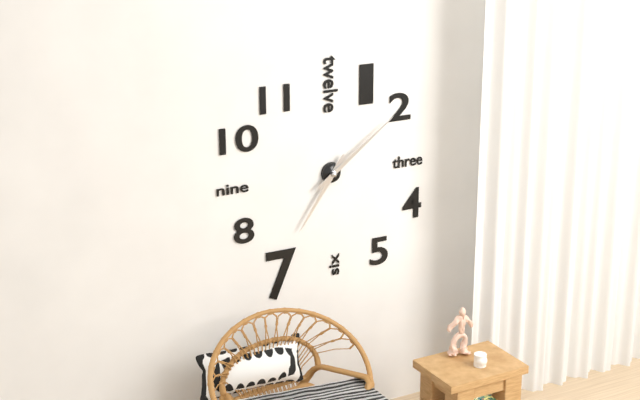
{"hour": 7, "minute": 9}
